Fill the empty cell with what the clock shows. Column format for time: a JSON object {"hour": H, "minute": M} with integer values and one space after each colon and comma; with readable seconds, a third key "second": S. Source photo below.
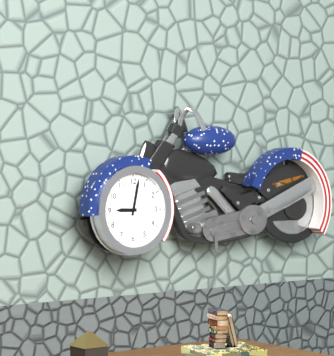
{"hour": 9, "minute": 2}
